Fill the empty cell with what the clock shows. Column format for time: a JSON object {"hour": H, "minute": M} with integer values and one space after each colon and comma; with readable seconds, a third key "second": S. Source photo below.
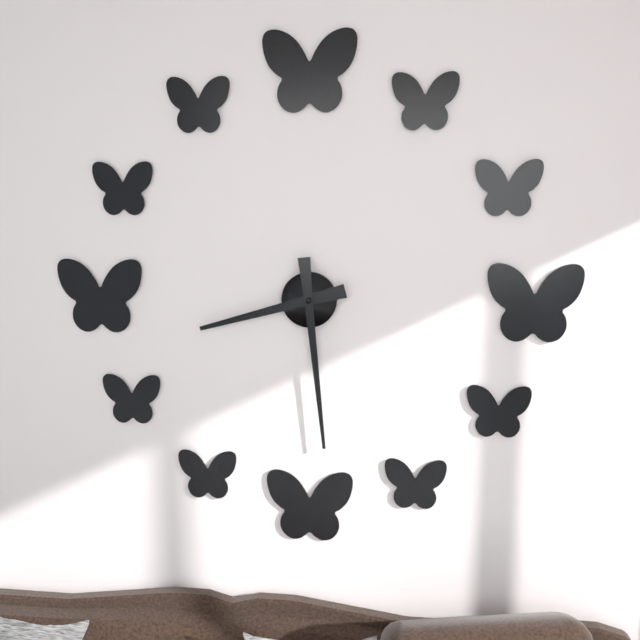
{"hour": 8, "minute": 29}
